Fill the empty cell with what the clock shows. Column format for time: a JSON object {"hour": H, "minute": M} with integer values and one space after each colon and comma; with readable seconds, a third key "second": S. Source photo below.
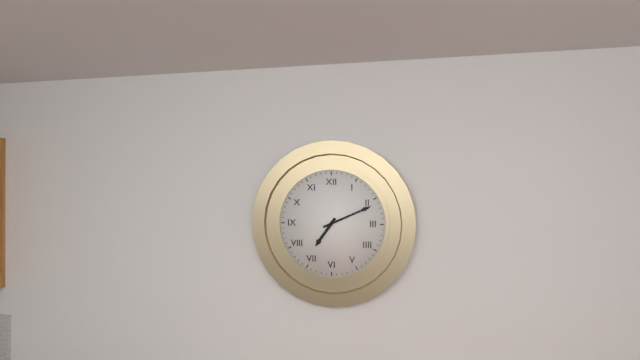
{"hour": 7, "minute": 11}
